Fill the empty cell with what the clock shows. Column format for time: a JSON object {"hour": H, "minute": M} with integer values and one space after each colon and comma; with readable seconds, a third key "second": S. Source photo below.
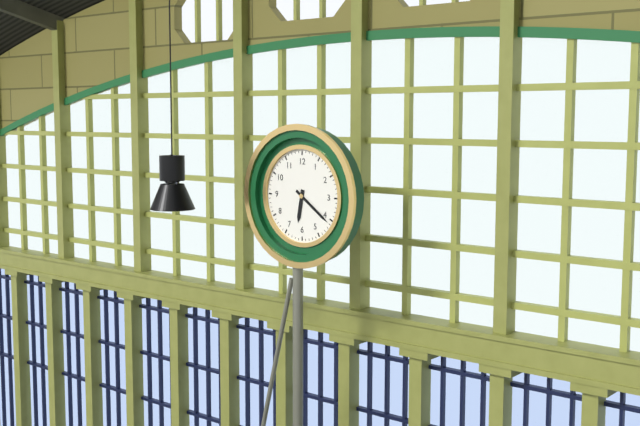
{"hour": 6, "minute": 21}
